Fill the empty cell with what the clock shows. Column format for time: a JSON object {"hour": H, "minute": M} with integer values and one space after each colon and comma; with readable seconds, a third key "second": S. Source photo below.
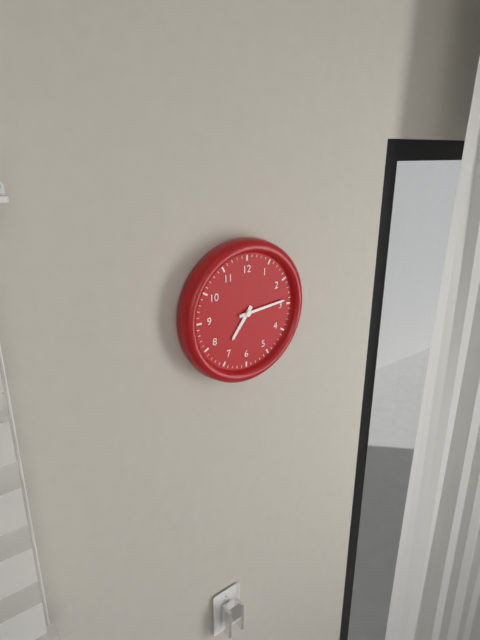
{"hour": 7, "minute": 14}
